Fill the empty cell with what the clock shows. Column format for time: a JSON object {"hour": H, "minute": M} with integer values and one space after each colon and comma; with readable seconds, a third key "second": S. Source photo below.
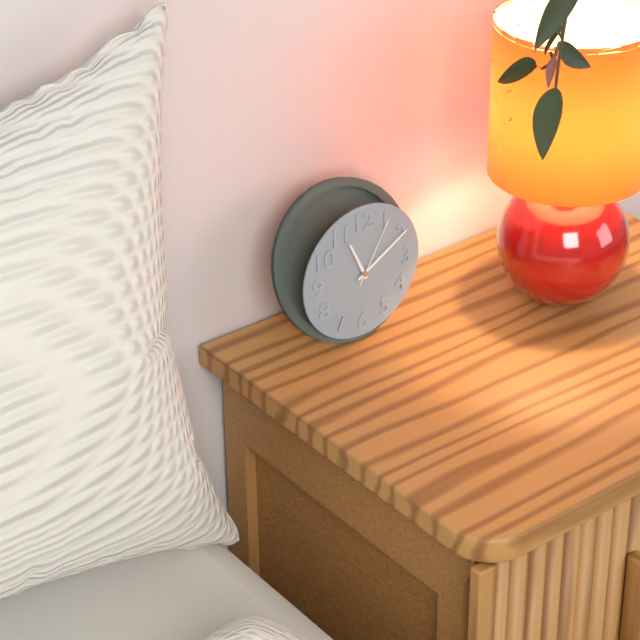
{"hour": 11, "minute": 10, "second": 5}
